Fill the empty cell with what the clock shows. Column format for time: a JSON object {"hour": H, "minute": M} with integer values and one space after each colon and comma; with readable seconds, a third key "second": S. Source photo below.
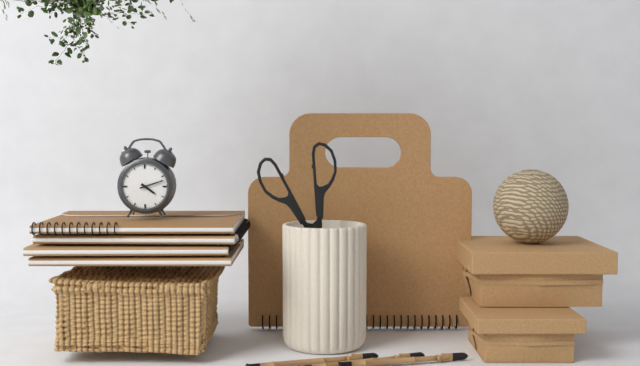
{"hour": 4, "minute": 12}
